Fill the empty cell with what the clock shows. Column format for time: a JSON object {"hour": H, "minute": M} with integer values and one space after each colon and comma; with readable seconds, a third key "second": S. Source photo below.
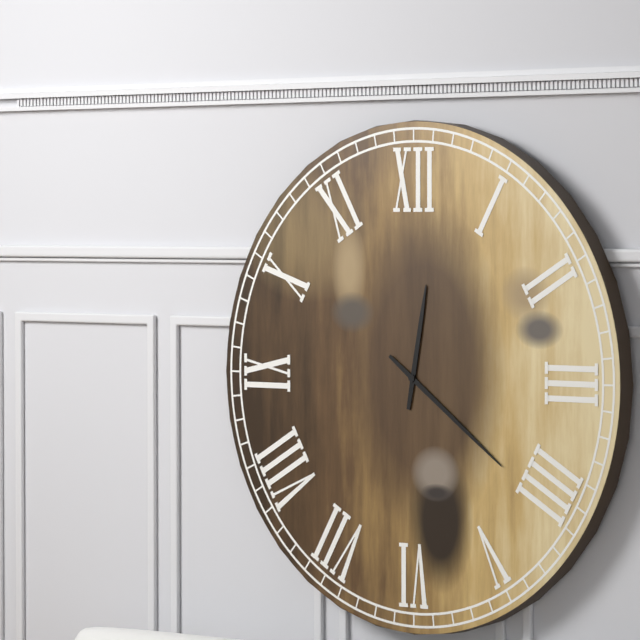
{"hour": 12, "minute": 21}
